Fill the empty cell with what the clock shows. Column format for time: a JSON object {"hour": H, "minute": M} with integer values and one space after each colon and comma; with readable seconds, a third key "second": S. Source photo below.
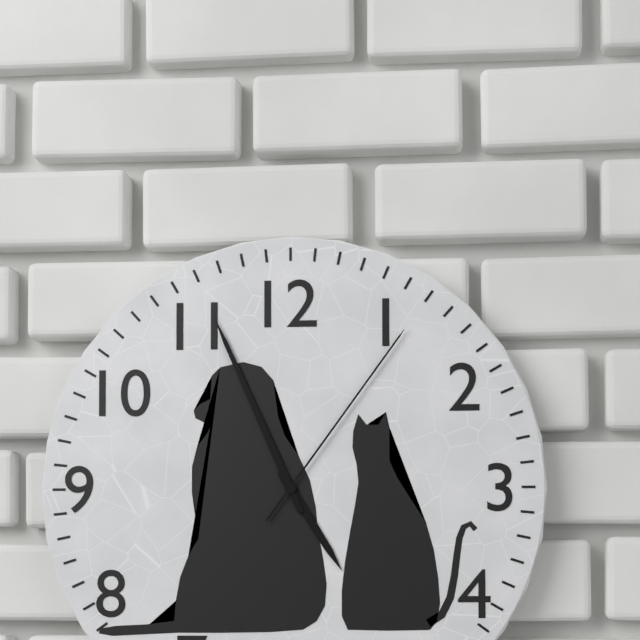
{"hour": 4, "minute": 56, "second": 6}
